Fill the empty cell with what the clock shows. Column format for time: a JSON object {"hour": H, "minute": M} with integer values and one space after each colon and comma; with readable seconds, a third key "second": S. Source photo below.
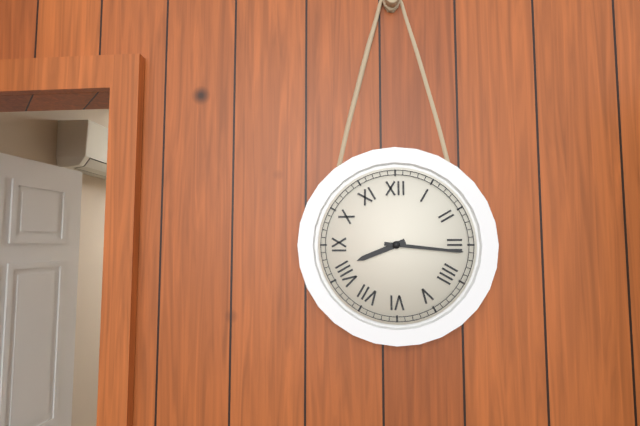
{"hour": 8, "minute": 16}
